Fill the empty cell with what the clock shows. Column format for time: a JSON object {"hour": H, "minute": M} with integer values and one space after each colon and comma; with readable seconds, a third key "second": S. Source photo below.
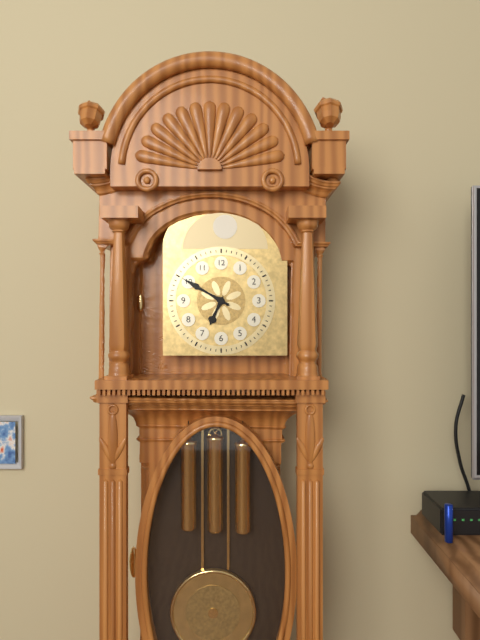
{"hour": 6, "minute": 50}
